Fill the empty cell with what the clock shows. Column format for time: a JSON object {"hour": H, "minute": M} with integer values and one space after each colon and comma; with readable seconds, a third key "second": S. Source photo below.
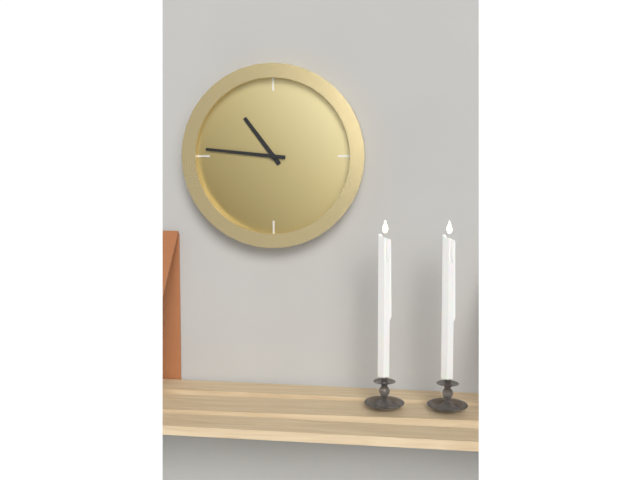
{"hour": 10, "minute": 46}
